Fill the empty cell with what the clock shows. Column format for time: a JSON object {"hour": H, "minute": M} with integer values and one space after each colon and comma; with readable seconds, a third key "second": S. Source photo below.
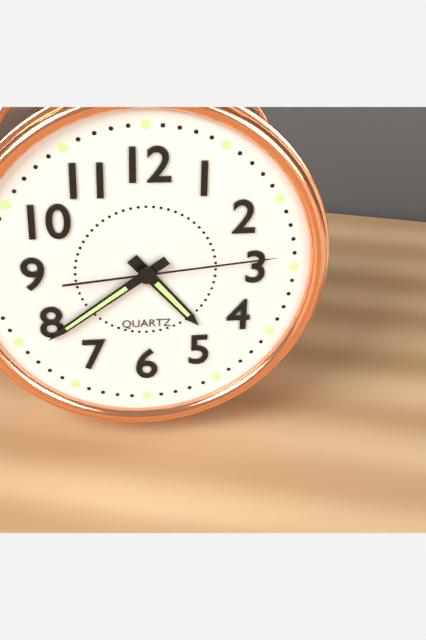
{"hour": 4, "minute": 39, "second": 14}
